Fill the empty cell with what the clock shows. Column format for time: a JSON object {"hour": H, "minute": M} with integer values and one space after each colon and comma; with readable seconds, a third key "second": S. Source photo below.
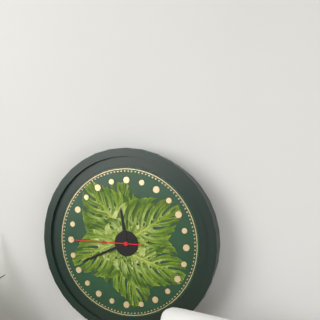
{"hour": 11, "minute": 41, "second": 45}
